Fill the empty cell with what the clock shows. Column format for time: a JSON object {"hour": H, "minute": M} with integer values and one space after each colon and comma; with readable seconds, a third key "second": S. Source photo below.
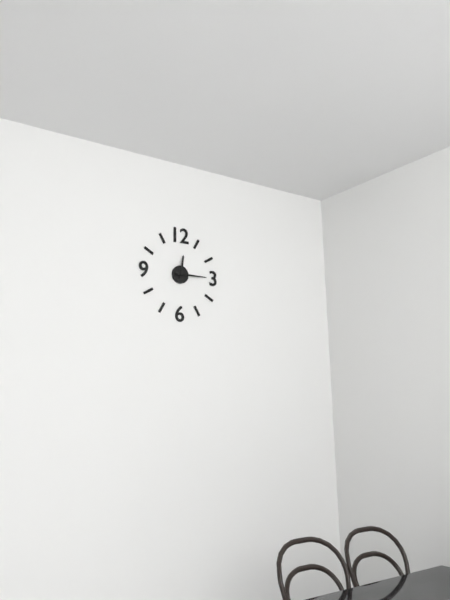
{"hour": 12, "minute": 15}
